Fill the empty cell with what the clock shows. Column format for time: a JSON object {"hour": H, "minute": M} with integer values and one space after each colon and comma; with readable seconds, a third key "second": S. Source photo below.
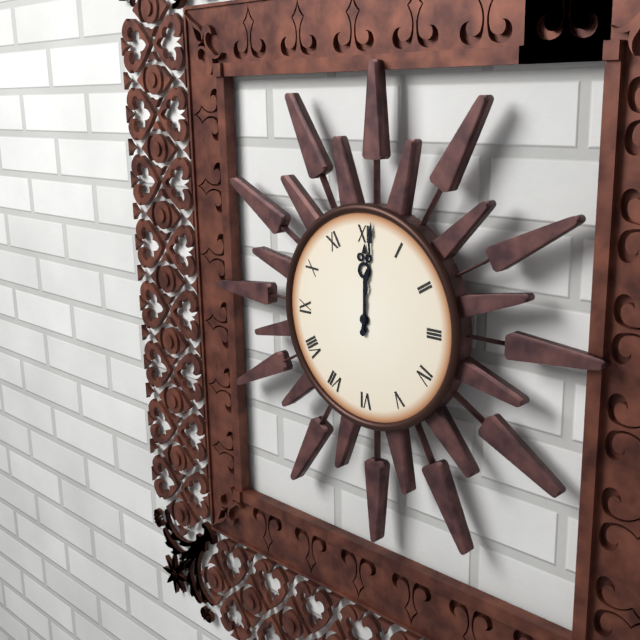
{"hour": 12, "minute": 1}
